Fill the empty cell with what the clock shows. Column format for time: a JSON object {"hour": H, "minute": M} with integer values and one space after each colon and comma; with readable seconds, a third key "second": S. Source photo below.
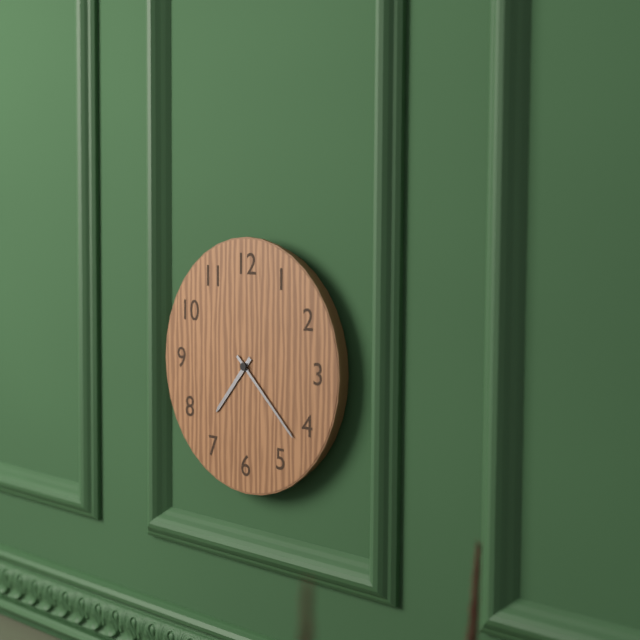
{"hour": 7, "minute": 22}
